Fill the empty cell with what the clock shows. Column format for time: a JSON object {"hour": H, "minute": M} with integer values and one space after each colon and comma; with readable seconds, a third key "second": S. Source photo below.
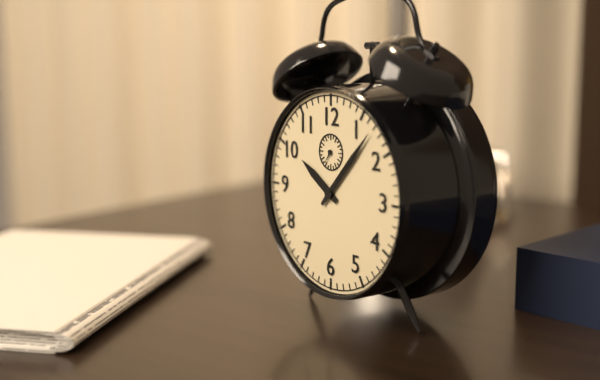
{"hour": 10, "minute": 7}
